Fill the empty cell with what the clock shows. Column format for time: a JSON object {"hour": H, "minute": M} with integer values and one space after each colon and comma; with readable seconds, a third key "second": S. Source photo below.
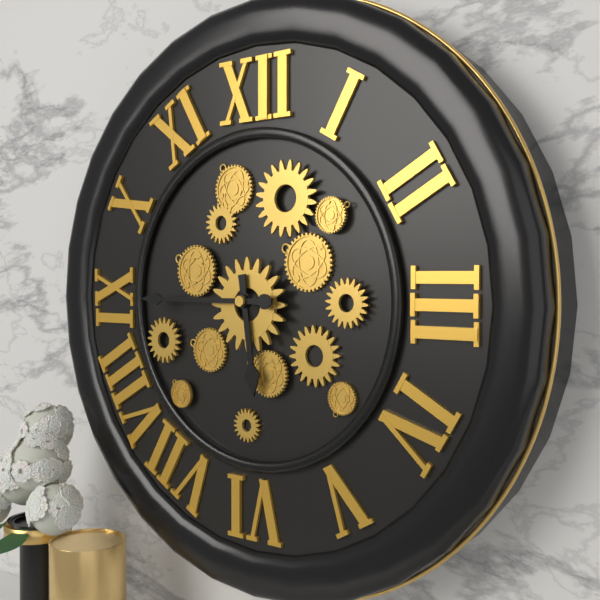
{"hour": 5, "minute": 45}
